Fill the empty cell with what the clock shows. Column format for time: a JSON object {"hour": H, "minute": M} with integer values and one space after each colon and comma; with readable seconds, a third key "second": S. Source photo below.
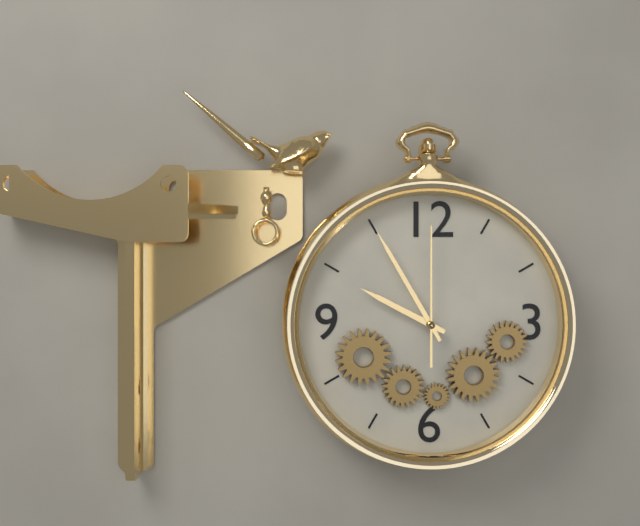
{"hour": 9, "minute": 55, "second": 0}
